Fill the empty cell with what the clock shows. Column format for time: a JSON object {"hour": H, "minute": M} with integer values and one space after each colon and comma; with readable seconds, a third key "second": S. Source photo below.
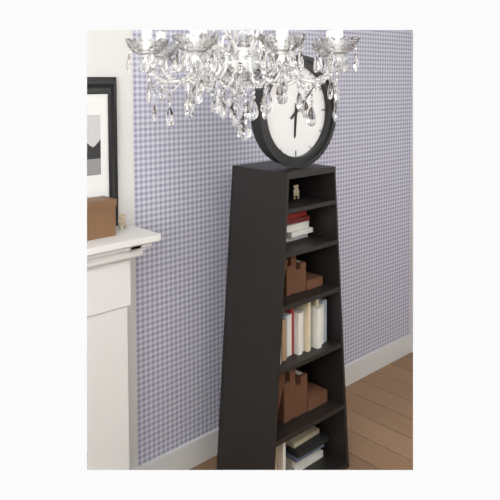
{"hour": 6, "minute": 8}
